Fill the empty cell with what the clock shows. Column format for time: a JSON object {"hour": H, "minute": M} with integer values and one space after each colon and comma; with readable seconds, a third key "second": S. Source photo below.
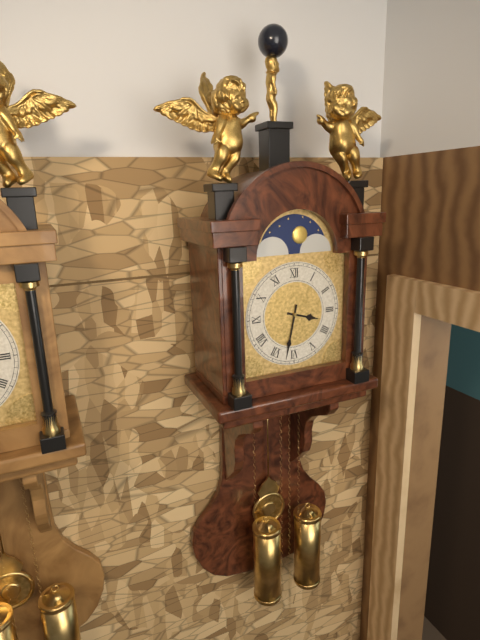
{"hour": 3, "minute": 32}
